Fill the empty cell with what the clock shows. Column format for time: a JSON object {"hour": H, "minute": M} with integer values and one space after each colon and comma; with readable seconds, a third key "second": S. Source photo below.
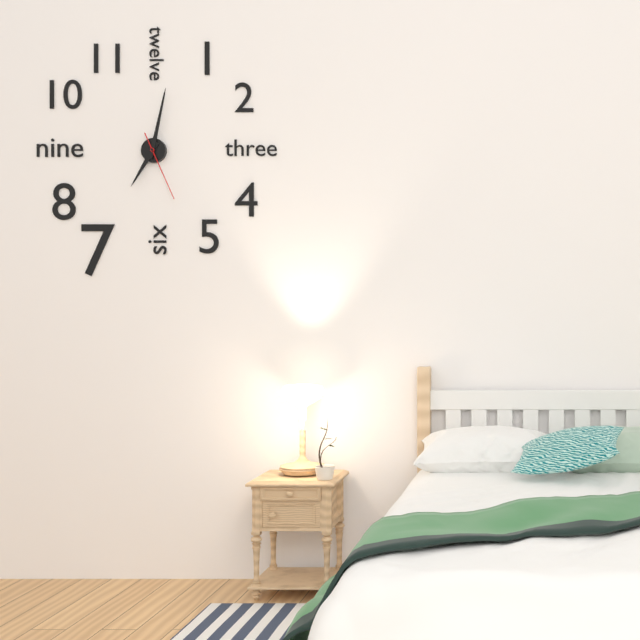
{"hour": 7, "minute": 2, "second": 26}
